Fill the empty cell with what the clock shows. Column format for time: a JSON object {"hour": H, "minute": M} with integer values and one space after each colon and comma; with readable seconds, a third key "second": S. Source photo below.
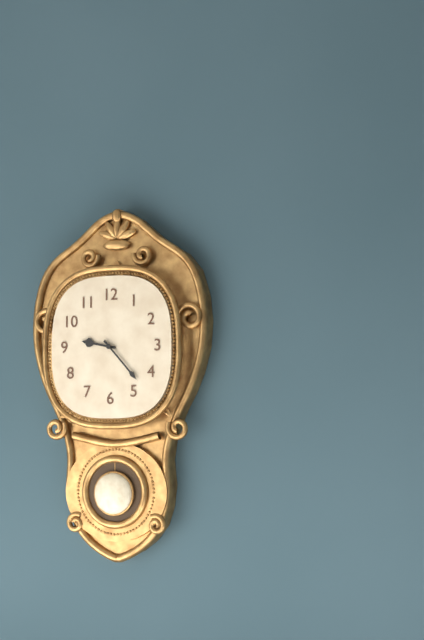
{"hour": 9, "minute": 23}
